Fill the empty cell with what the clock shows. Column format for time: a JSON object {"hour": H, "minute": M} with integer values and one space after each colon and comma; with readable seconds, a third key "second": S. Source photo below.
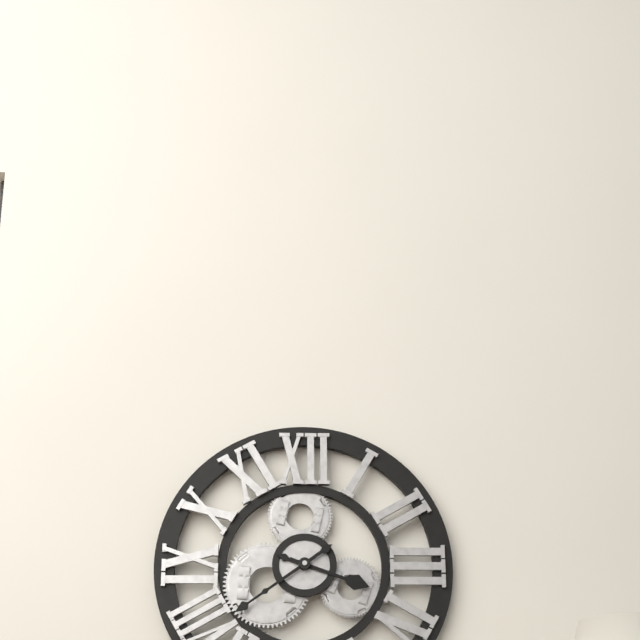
{"hour": 3, "minute": 39}
